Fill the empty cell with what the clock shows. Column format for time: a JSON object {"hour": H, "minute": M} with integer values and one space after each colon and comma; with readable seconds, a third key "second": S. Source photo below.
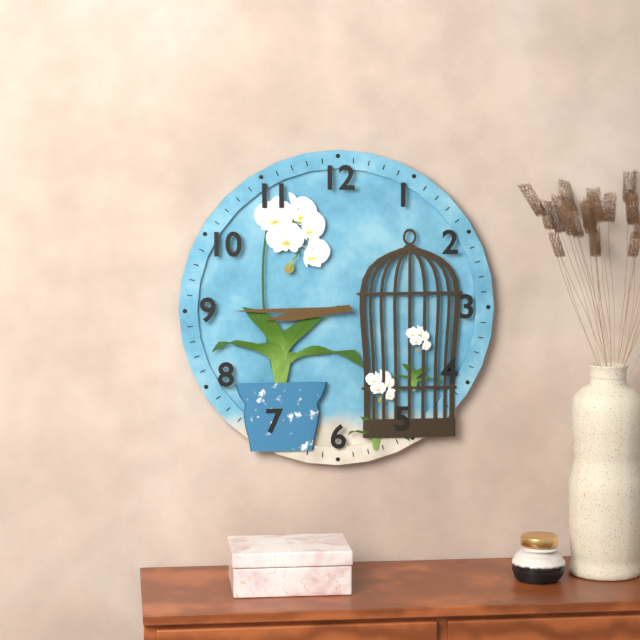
{"hour": 8, "minute": 45}
